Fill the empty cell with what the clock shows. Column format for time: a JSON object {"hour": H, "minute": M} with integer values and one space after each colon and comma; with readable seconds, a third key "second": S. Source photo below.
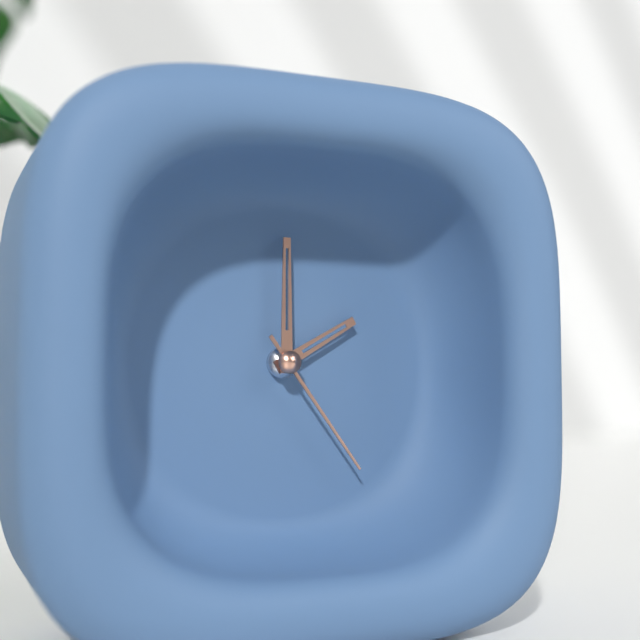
{"hour": 2, "minute": 0, "second": 24}
